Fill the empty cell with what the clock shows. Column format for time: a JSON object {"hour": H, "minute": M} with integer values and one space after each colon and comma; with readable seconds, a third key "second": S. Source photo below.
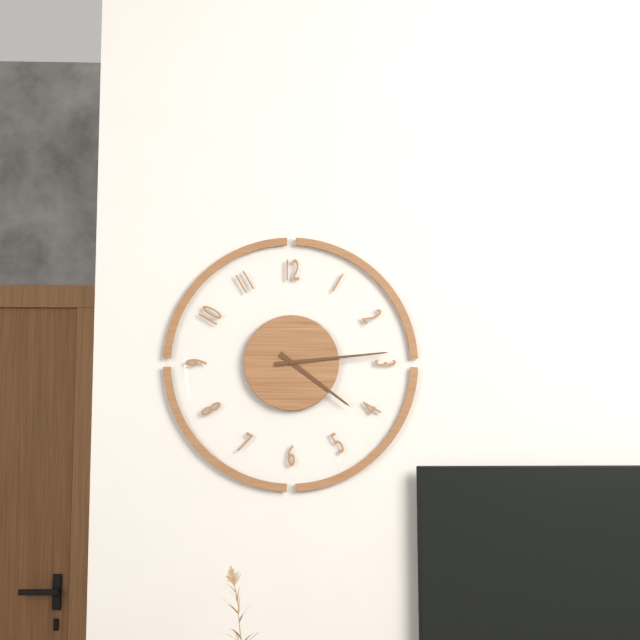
{"hour": 4, "minute": 14}
